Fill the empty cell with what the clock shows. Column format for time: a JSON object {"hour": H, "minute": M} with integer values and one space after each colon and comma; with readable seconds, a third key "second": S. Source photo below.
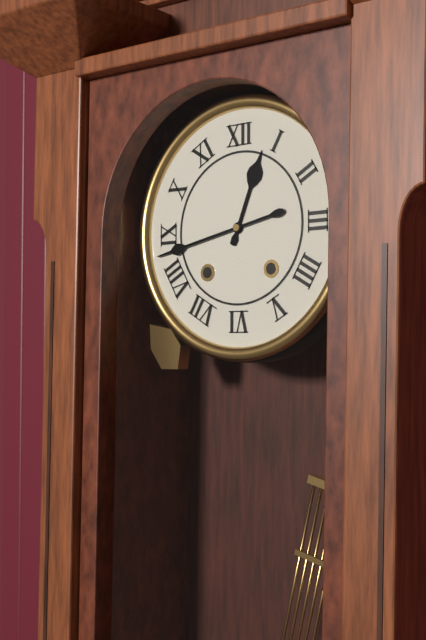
{"hour": 12, "minute": 43}
